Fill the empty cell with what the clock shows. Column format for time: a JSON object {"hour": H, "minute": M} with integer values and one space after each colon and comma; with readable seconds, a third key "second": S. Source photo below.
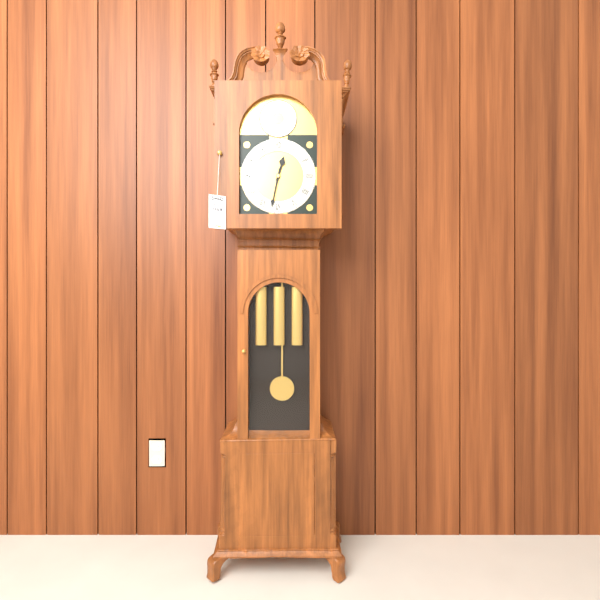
{"hour": 12, "minute": 32}
